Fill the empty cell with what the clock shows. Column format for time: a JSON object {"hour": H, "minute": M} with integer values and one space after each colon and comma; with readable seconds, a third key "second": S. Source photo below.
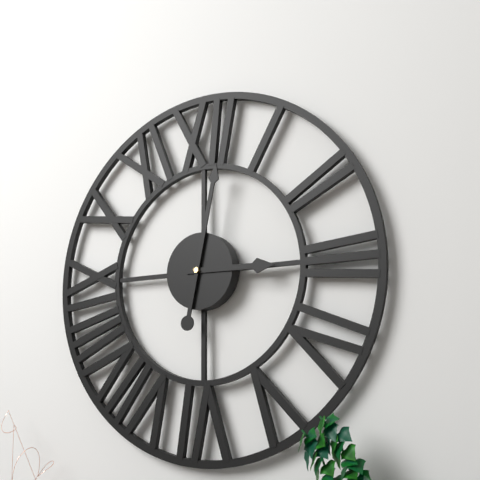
{"hour": 3, "minute": 2}
